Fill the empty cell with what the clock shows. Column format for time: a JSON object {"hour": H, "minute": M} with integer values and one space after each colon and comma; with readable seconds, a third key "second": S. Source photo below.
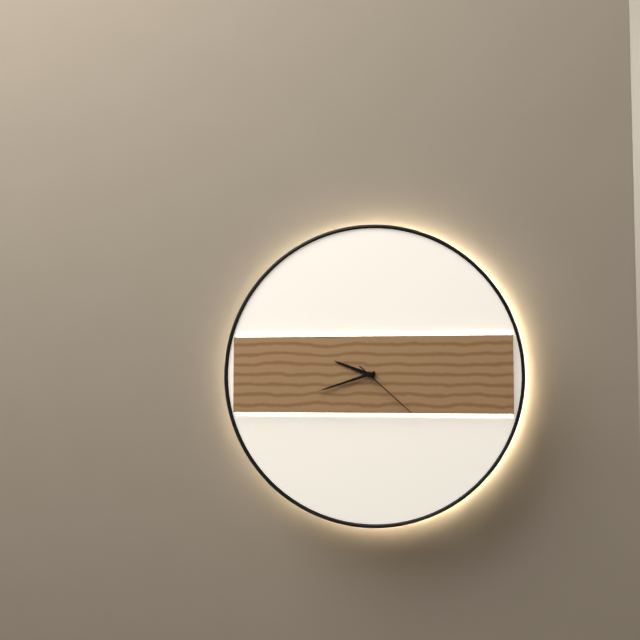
{"hour": 9, "minute": 42, "second": 22}
